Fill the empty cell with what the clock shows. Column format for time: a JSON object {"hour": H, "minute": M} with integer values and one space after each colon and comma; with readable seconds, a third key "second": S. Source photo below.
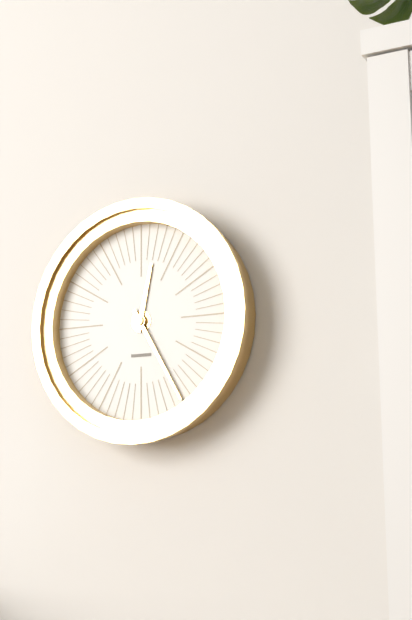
{"hour": 12, "minute": 25}
